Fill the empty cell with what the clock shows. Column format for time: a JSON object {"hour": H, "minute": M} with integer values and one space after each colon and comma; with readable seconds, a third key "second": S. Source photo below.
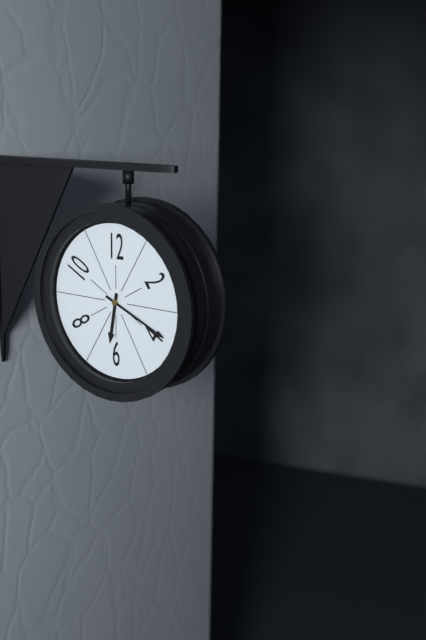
{"hour": 6, "minute": 19}
